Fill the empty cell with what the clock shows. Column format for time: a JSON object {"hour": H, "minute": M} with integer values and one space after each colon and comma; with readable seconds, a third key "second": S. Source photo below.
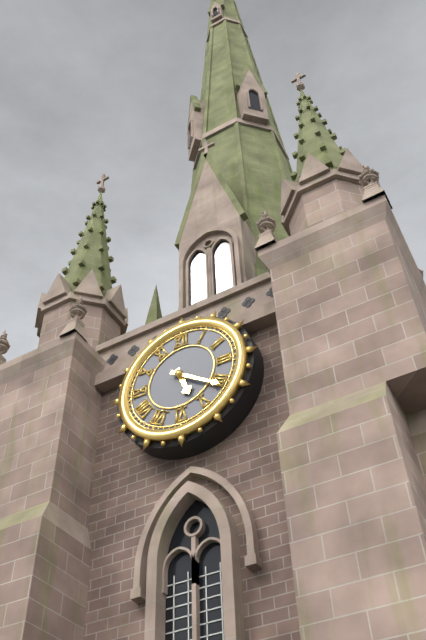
{"hour": 5, "minute": 21}
